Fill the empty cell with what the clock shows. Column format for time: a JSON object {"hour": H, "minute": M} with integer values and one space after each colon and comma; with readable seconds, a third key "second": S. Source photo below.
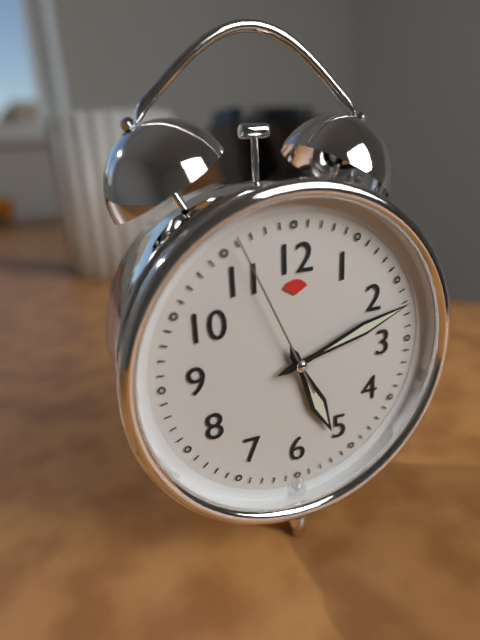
{"hour": 5, "minute": 12, "second": 56}
